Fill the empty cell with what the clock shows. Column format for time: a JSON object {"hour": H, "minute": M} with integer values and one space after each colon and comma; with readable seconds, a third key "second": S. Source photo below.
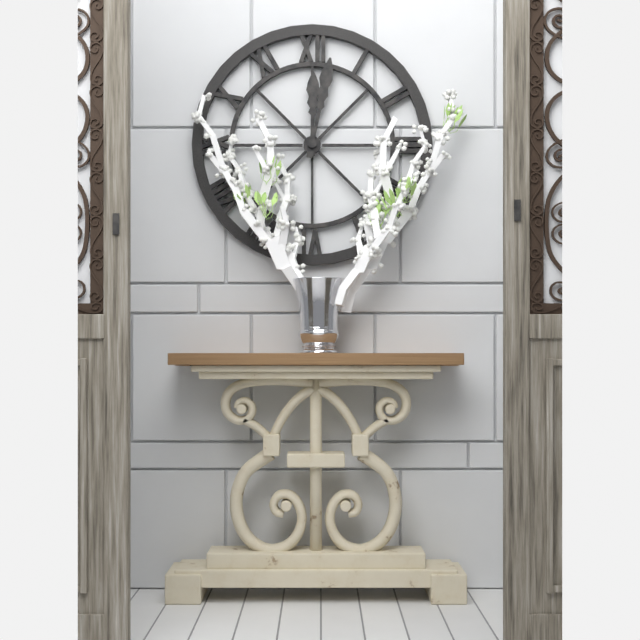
{"hour": 12, "minute": 2}
